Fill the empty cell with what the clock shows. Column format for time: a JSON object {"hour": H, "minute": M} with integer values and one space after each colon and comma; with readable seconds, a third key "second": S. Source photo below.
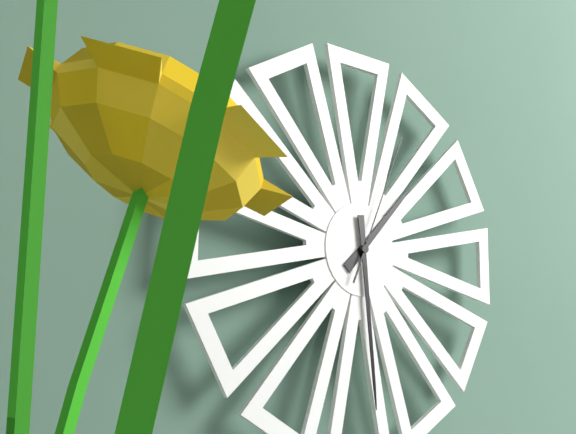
{"hour": 1, "minute": 29, "second": 4}
